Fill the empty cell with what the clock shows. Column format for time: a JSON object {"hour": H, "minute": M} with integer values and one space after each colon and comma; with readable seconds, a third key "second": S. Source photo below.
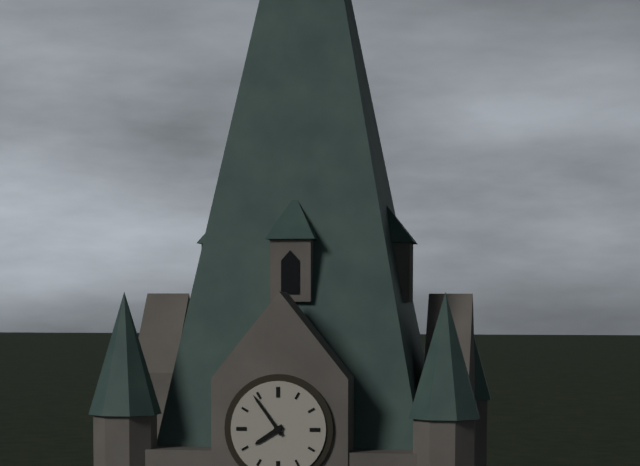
{"hour": 7, "minute": 54}
